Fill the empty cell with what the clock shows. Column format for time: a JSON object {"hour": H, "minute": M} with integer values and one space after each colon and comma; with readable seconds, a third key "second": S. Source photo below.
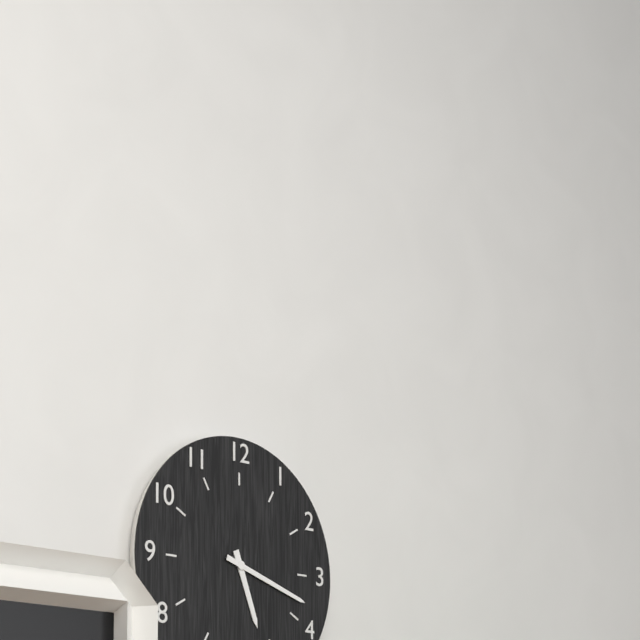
{"hour": 5, "minute": 18}
